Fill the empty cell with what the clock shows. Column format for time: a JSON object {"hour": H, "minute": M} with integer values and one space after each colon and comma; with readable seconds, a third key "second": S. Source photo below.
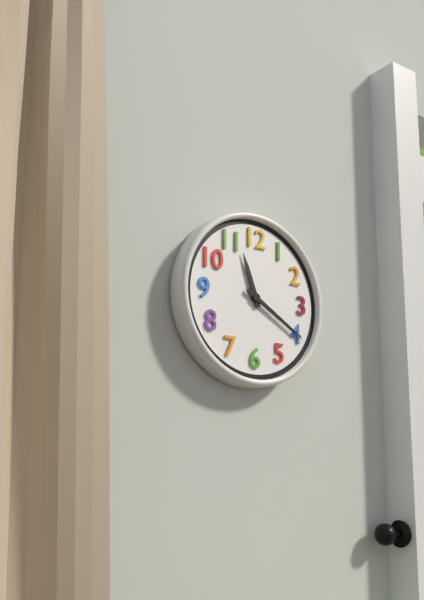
{"hour": 11, "minute": 20}
